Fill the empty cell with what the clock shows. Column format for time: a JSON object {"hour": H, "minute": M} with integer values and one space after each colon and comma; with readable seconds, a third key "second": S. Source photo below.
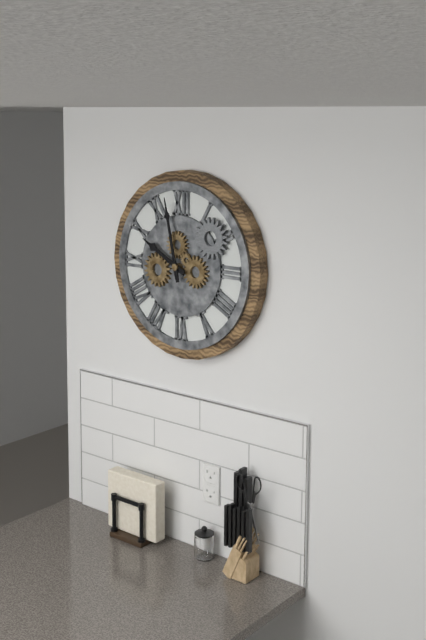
{"hour": 9, "minute": 58}
